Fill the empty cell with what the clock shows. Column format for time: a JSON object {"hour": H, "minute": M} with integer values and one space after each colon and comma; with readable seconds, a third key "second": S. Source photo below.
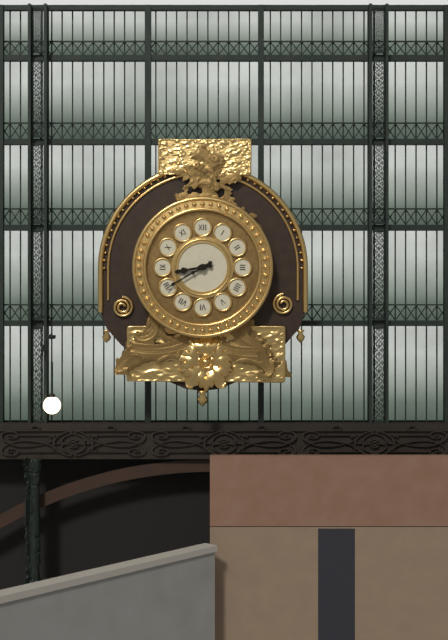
{"hour": 8, "minute": 40}
